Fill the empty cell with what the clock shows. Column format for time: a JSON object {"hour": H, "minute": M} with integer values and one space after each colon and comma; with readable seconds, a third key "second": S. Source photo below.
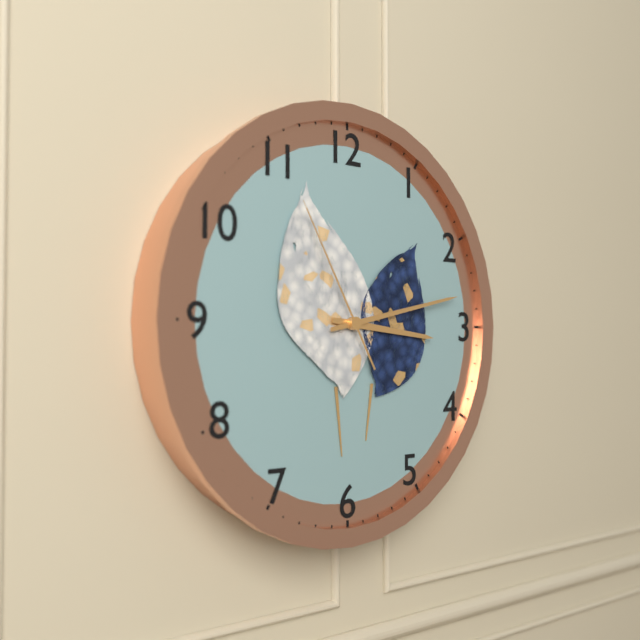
{"hour": 3, "minute": 13, "second": 55}
